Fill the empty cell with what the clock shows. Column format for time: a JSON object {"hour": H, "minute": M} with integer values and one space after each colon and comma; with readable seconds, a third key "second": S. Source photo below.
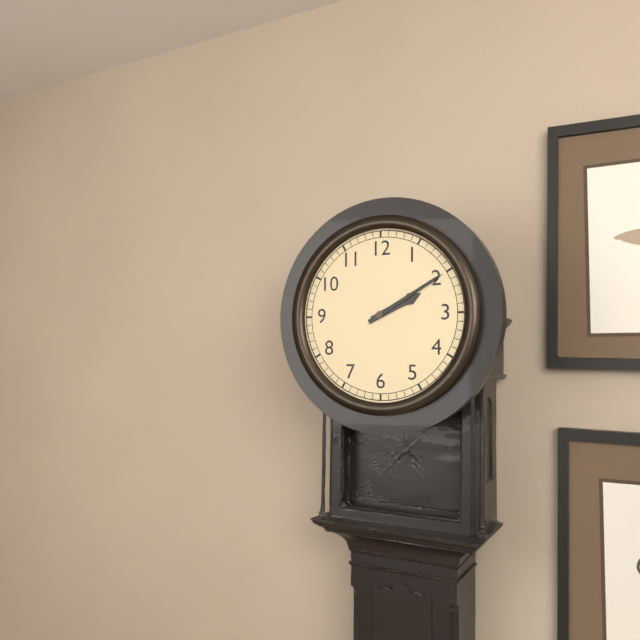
{"hour": 2, "minute": 10}
